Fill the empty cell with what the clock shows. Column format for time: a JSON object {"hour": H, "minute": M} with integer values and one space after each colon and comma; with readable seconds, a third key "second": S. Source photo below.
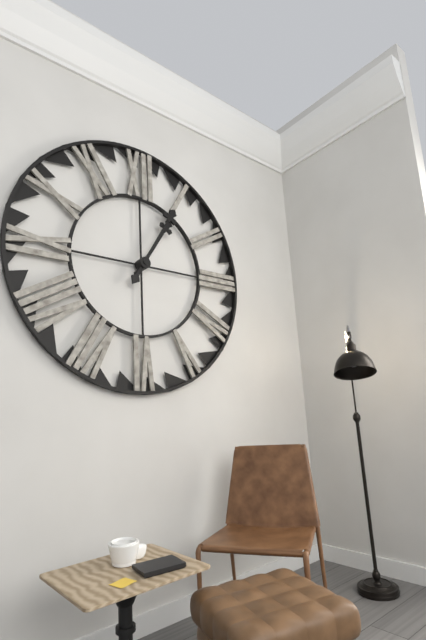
{"hour": 1, "minute": 5}
